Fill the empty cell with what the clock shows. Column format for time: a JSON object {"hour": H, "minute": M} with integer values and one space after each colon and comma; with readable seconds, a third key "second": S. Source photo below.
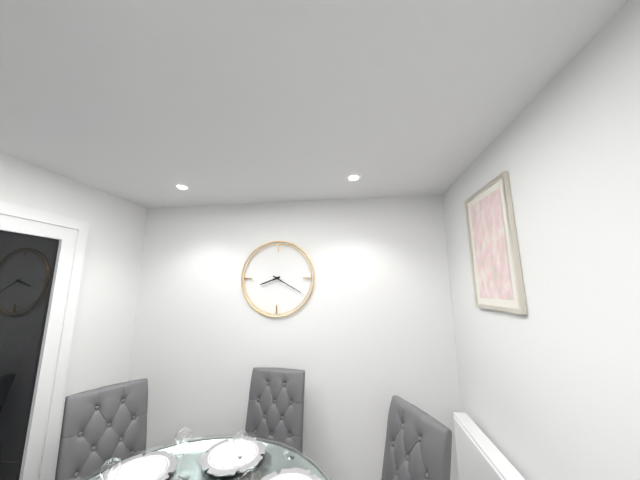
{"hour": 8, "minute": 20}
